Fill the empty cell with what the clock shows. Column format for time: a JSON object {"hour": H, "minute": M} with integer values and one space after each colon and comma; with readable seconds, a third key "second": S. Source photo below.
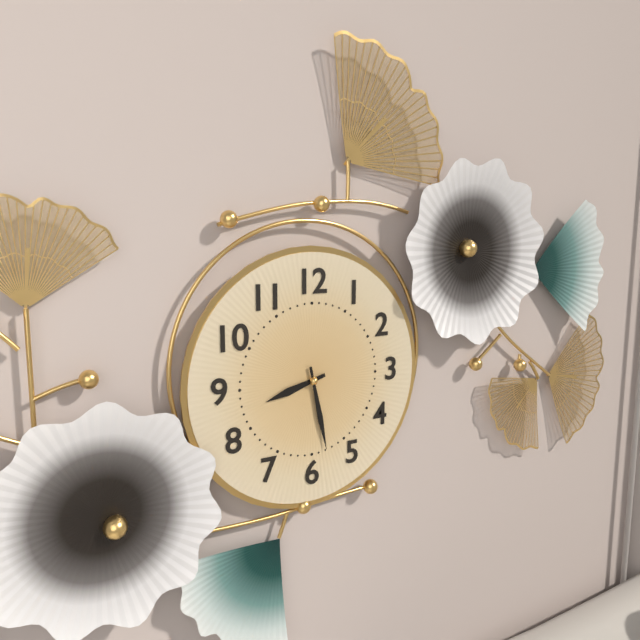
{"hour": 8, "minute": 28}
